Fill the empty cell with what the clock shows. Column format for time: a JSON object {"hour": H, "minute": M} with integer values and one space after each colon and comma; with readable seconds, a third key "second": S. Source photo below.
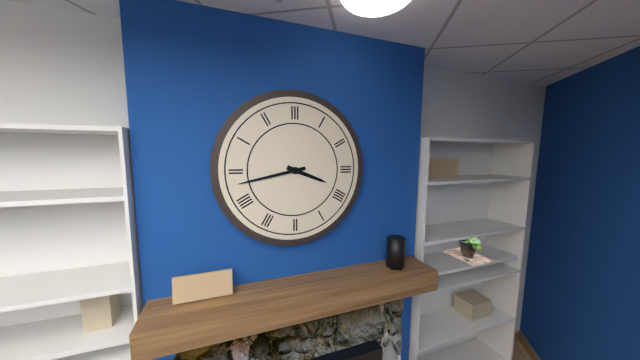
{"hour": 3, "minute": 43}
